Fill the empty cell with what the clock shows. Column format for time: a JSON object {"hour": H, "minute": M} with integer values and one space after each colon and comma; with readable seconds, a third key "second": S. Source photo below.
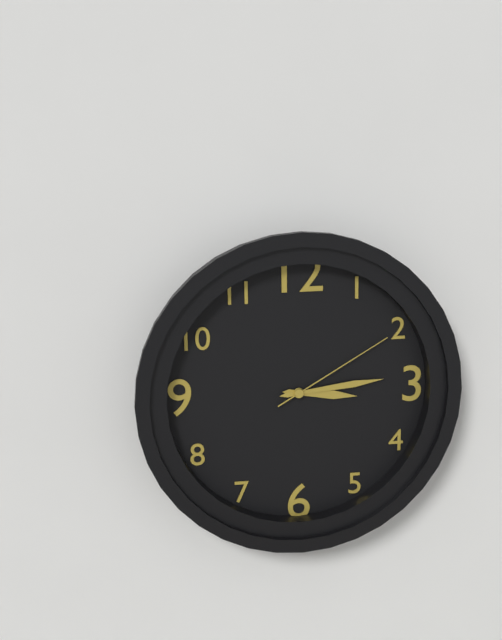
{"hour": 3, "minute": 14, "second": 10}
